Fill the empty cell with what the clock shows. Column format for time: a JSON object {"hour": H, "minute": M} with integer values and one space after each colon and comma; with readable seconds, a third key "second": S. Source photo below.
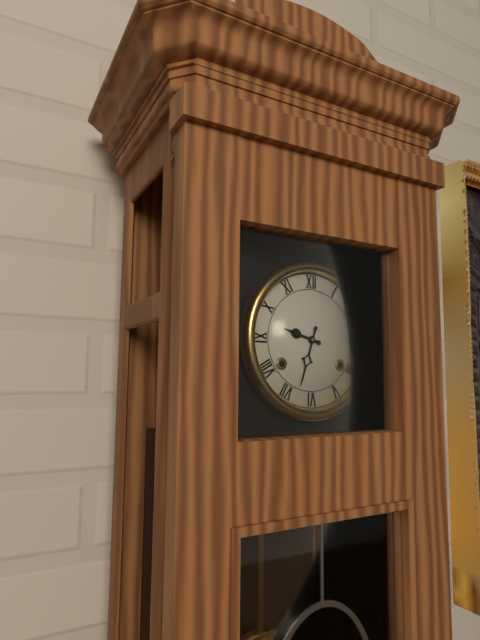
{"hour": 9, "minute": 33}
